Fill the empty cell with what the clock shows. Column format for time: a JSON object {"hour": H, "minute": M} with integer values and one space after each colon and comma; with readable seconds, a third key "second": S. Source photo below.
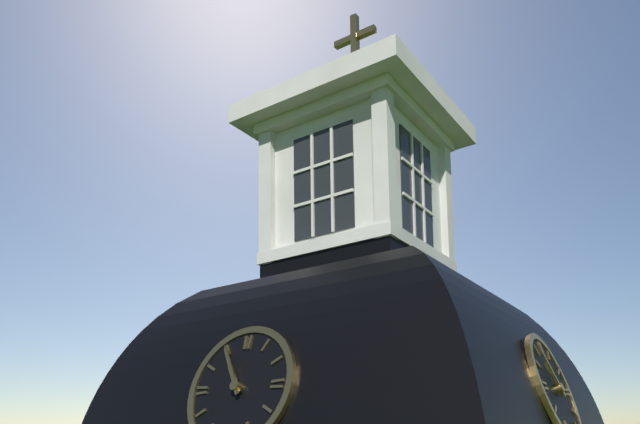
{"hour": 10, "minute": 55}
